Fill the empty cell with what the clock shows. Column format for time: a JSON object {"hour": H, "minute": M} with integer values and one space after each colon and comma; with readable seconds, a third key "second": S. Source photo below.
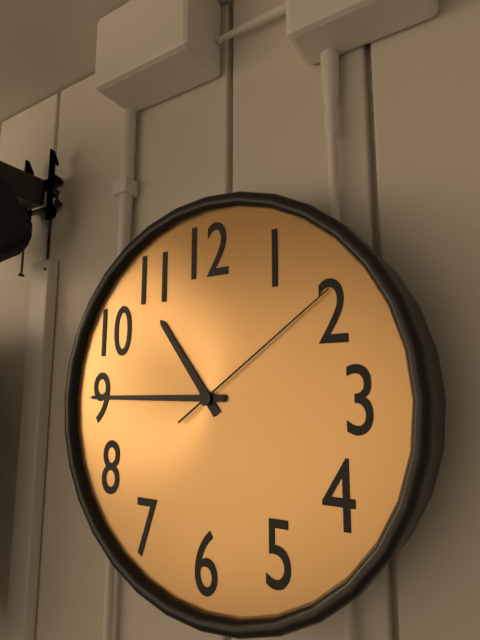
{"hour": 10, "minute": 45, "second": 9}
